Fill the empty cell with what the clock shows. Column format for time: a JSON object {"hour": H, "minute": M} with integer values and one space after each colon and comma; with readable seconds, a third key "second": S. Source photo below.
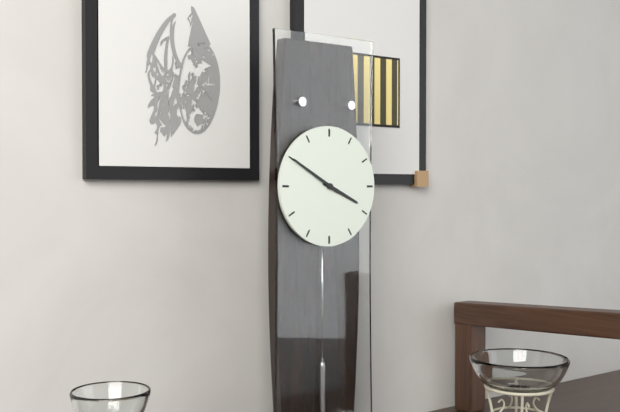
{"hour": 3, "minute": 50}
